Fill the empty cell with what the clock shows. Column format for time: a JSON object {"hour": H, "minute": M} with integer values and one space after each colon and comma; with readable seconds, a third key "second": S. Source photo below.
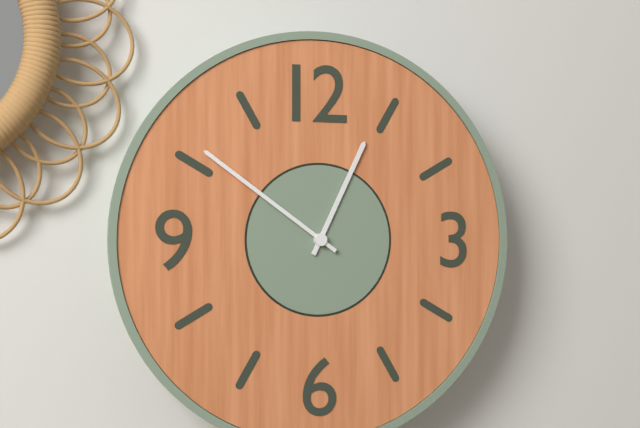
{"hour": 12, "minute": 51}
